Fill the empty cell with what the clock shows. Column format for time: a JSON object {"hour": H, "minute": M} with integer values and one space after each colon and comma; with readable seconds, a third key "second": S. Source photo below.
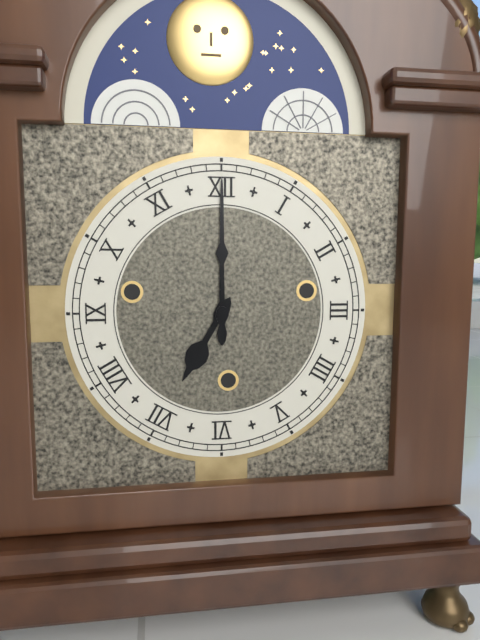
{"hour": 7, "minute": 0}
